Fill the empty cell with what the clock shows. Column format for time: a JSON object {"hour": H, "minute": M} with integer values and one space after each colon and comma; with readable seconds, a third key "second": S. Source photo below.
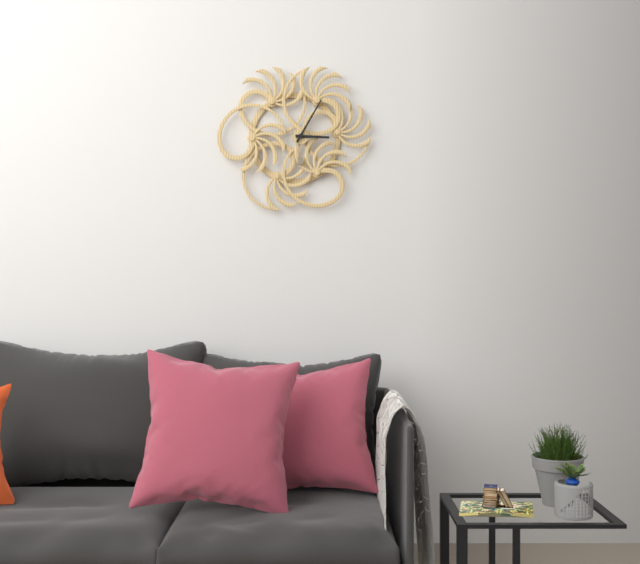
{"hour": 3, "minute": 5}
